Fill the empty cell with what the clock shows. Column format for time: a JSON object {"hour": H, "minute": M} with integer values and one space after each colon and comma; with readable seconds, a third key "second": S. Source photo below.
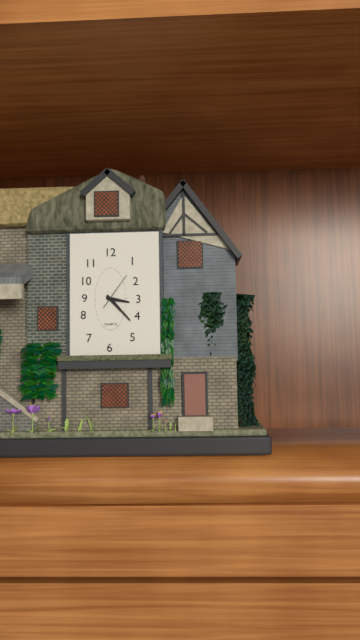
{"hour": 3, "minute": 23}
